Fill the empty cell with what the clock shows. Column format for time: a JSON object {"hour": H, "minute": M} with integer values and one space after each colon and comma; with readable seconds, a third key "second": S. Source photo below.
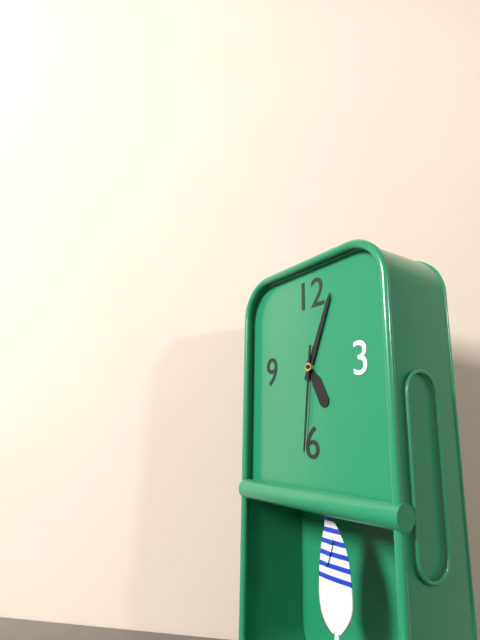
{"hour": 5, "minute": 4, "second": 31}
